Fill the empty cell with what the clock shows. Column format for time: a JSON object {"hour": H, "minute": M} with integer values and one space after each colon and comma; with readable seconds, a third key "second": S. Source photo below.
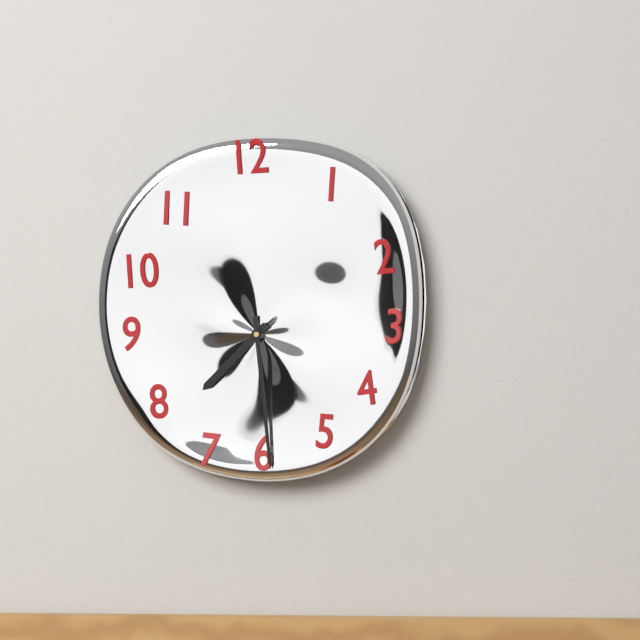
{"hour": 7, "minute": 29}
